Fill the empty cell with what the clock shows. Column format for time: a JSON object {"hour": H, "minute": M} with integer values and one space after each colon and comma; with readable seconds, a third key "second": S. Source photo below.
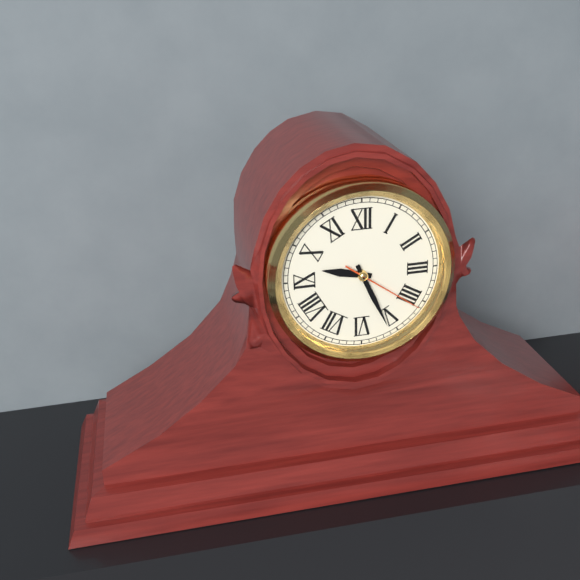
{"hour": 9, "minute": 26, "second": 21}
